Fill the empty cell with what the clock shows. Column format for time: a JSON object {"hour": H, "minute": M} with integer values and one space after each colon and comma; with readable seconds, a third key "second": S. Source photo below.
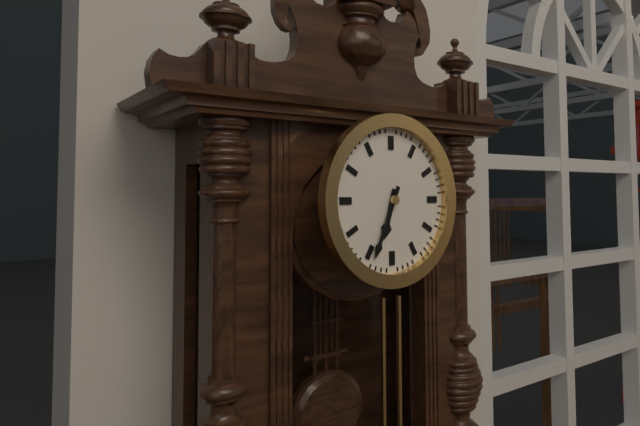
{"hour": 6, "minute": 34}
